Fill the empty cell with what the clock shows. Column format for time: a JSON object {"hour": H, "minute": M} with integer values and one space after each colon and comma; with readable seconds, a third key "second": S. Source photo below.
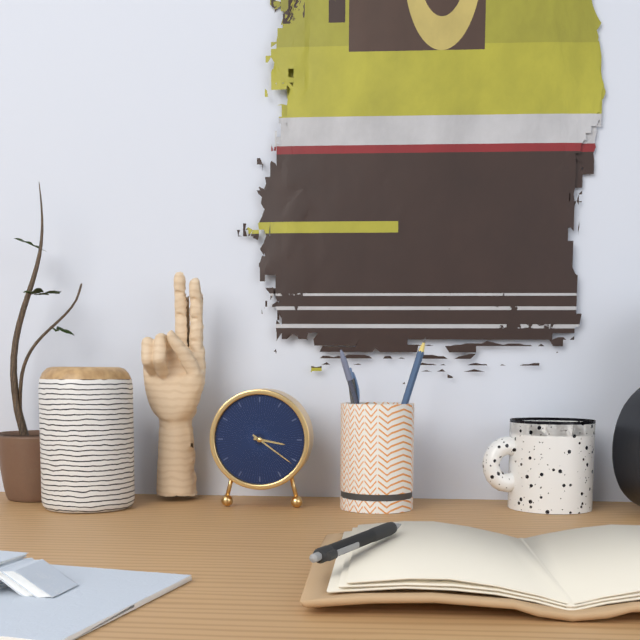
{"hour": 3, "minute": 21}
